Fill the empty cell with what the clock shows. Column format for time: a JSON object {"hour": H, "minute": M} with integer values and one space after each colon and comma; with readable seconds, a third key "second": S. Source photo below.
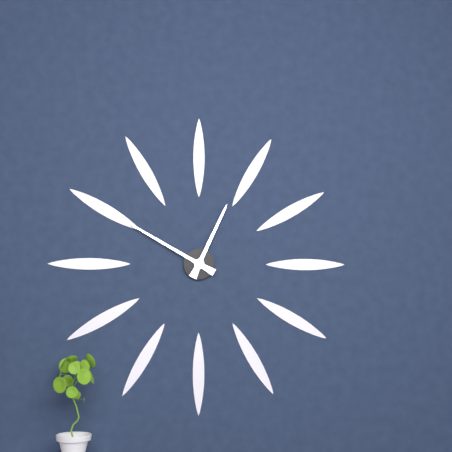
{"hour": 12, "minute": 50}
